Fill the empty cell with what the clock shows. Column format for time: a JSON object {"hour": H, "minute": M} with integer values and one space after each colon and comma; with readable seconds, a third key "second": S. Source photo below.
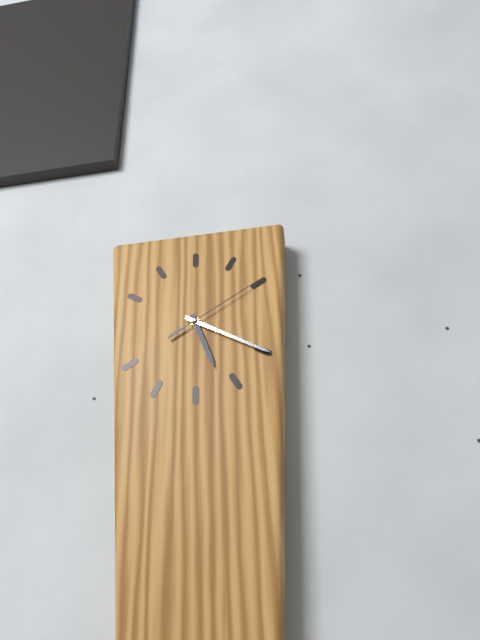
{"hour": 5, "minute": 20, "second": 10}
